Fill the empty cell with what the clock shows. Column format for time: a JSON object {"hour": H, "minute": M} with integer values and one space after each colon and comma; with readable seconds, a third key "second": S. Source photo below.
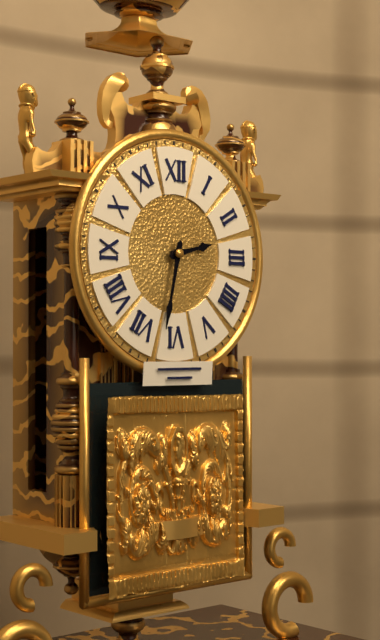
{"hour": 2, "minute": 32}
